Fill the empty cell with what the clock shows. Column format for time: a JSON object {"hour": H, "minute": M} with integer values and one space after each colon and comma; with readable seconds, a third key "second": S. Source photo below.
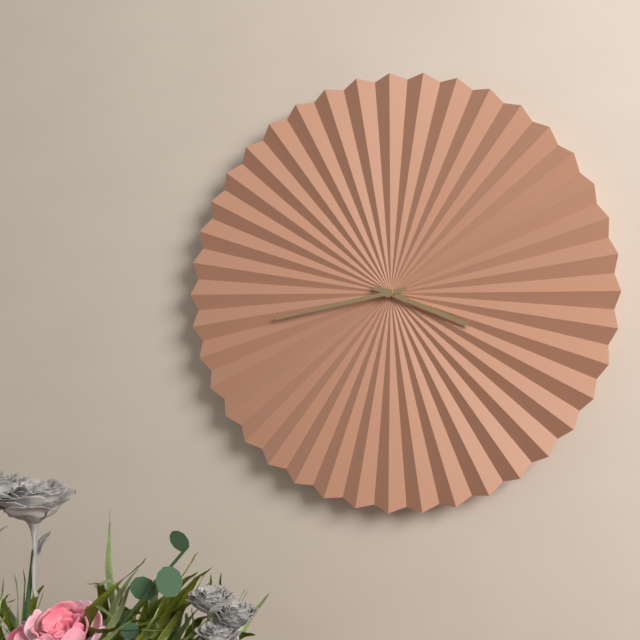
{"hour": 3, "minute": 43}
